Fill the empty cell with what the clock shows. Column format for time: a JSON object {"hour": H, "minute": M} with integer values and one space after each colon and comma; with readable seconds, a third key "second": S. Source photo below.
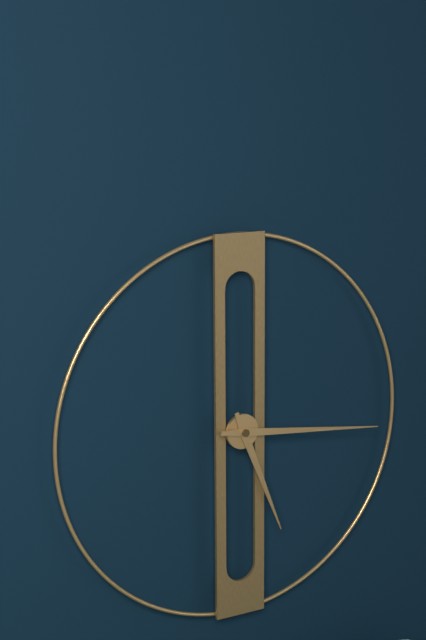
{"hour": 5, "minute": 16}
